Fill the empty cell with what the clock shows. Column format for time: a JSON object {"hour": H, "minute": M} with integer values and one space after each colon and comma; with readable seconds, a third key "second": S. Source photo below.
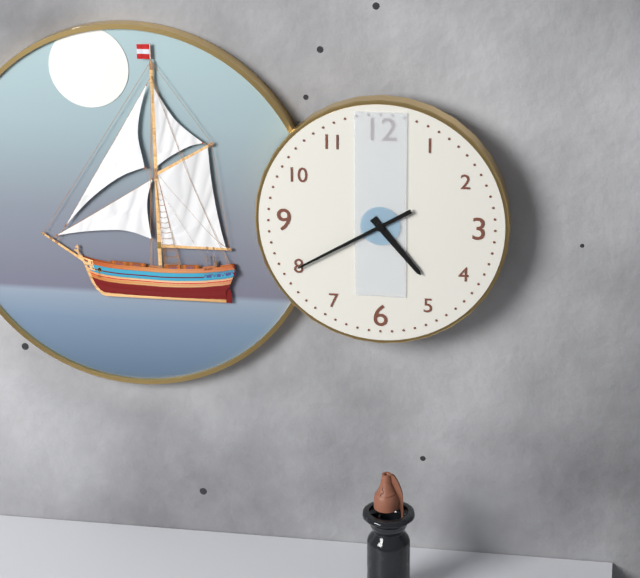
{"hour": 4, "minute": 40}
